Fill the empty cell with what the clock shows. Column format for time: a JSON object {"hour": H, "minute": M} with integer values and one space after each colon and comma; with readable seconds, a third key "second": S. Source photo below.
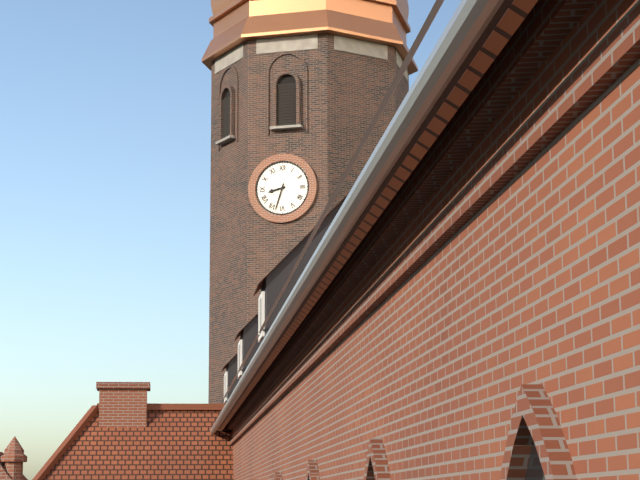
{"hour": 8, "minute": 33}
